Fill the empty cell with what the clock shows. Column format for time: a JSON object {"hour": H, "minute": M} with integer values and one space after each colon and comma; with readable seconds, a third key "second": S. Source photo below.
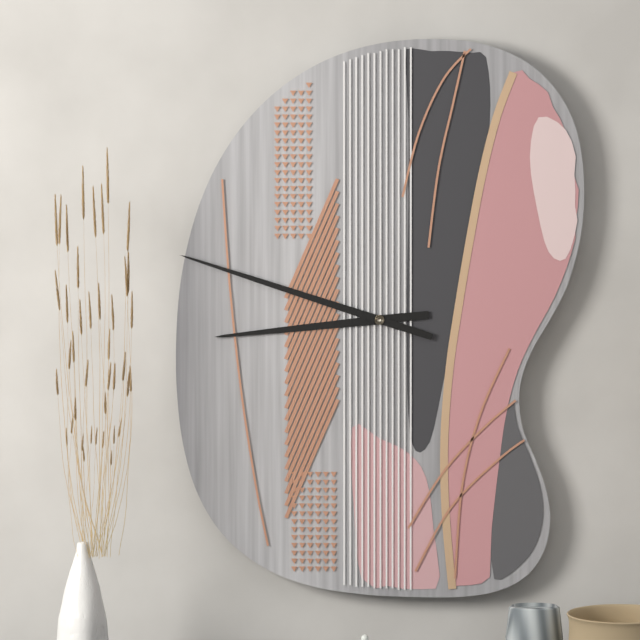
{"hour": 8, "minute": 48}
